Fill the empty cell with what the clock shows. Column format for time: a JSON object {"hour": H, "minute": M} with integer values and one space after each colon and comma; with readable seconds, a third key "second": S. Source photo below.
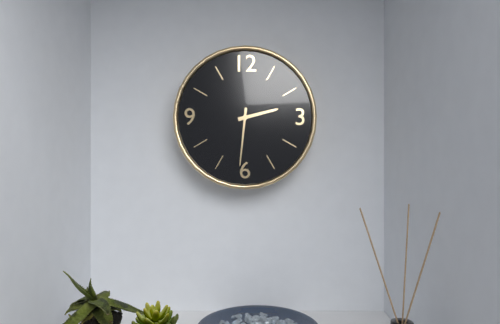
{"hour": 2, "minute": 31}
